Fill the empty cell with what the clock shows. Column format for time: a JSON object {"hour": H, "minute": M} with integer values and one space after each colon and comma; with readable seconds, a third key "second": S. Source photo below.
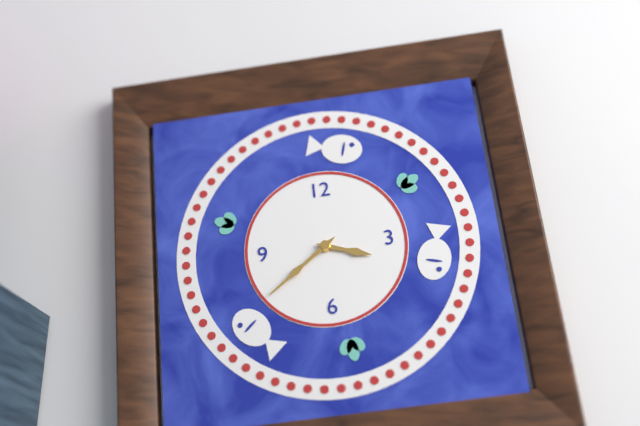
{"hour": 3, "minute": 39}
